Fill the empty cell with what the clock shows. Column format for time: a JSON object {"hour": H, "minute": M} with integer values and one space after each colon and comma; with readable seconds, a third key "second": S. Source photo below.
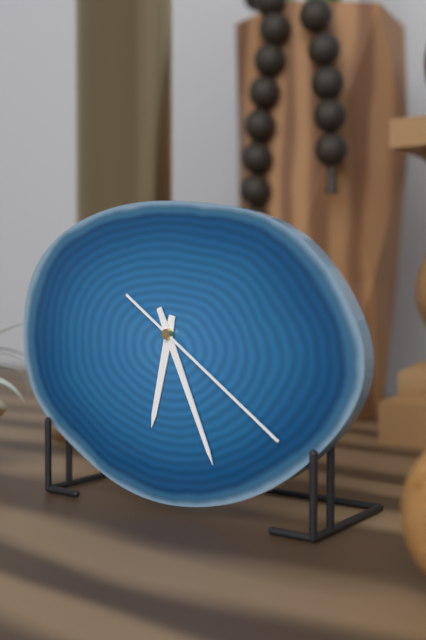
{"hour": 6, "minute": 26, "second": 21}
